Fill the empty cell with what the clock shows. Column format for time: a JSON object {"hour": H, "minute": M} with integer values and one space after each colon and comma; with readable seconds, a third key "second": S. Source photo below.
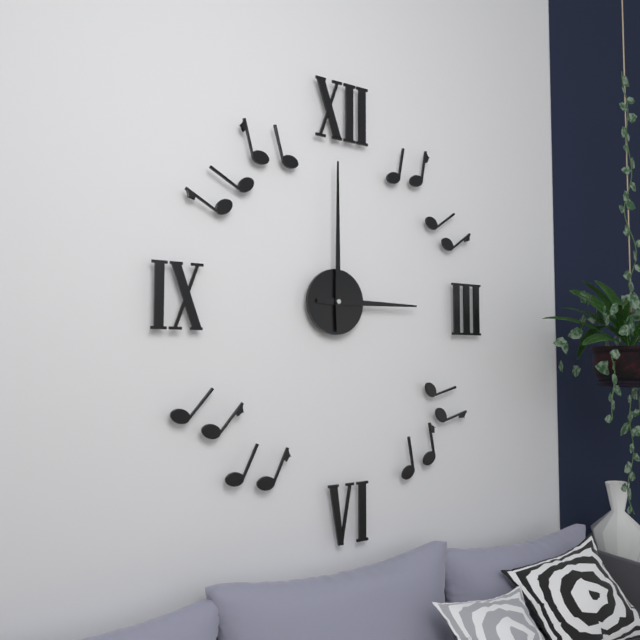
{"hour": 3, "minute": 0}
